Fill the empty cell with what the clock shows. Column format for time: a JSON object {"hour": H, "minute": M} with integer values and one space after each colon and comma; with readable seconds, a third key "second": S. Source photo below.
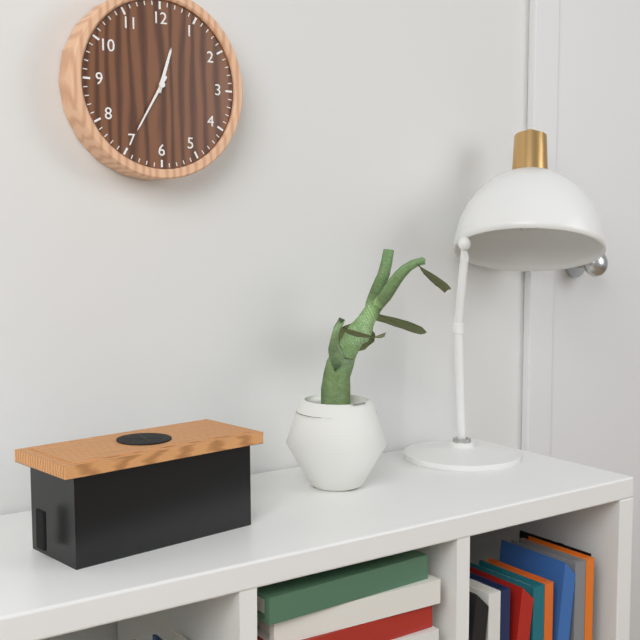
{"hour": 12, "minute": 35}
